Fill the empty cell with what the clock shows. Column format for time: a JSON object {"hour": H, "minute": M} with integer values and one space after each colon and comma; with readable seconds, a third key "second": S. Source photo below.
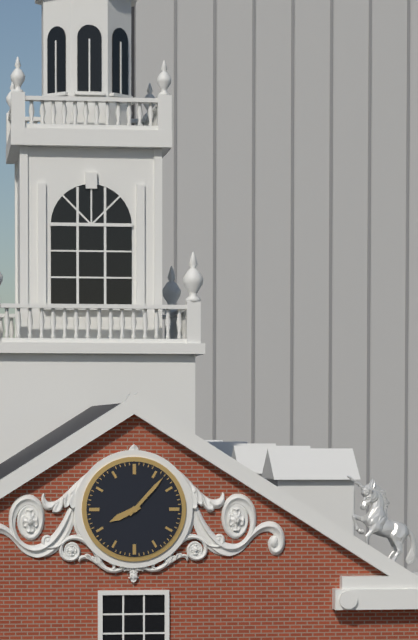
{"hour": 8, "minute": 7}
